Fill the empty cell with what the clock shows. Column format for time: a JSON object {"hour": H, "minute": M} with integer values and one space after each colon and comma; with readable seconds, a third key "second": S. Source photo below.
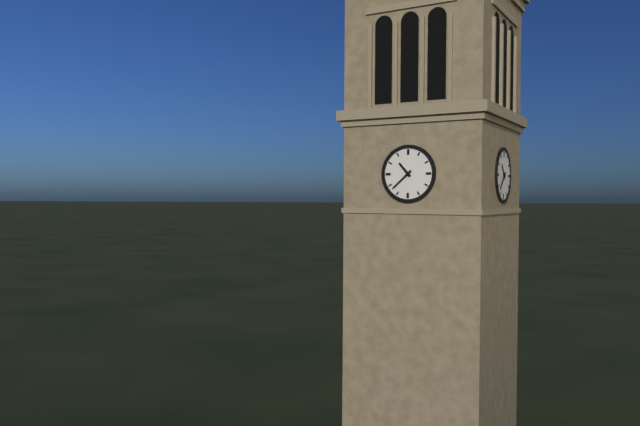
{"hour": 10, "minute": 38}
